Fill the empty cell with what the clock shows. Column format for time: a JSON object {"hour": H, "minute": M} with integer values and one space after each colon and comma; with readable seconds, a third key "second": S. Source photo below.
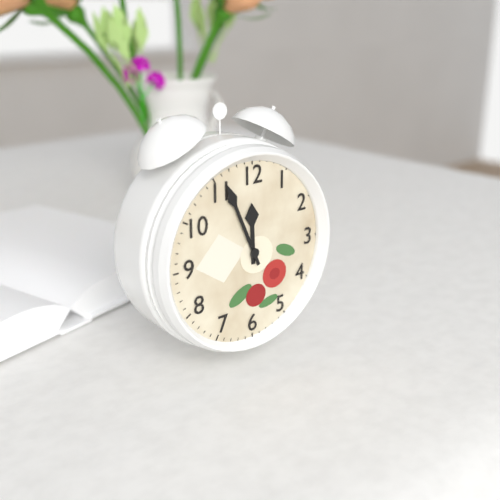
{"hour": 11, "minute": 56}
